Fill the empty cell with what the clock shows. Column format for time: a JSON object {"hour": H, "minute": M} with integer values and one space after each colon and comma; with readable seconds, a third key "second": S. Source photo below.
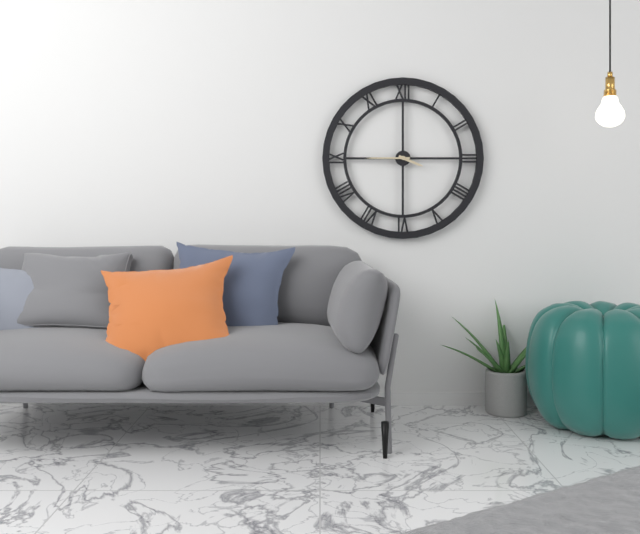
{"hour": 3, "minute": 45}
